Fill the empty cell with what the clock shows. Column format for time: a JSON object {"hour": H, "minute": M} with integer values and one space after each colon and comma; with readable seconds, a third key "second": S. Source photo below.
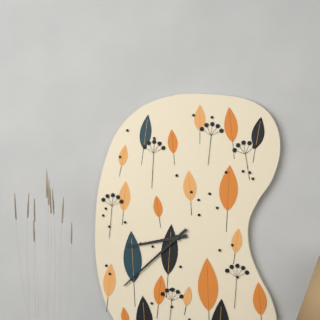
{"hour": 8, "minute": 38}
